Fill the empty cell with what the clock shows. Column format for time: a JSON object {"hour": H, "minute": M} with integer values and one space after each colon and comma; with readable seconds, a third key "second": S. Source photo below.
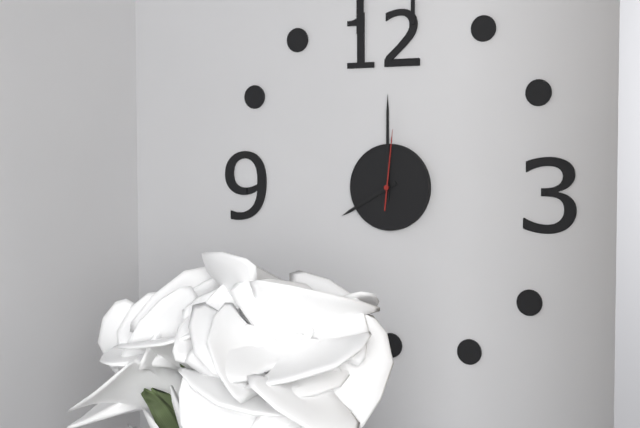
{"hour": 8, "minute": 0, "second": 1}
